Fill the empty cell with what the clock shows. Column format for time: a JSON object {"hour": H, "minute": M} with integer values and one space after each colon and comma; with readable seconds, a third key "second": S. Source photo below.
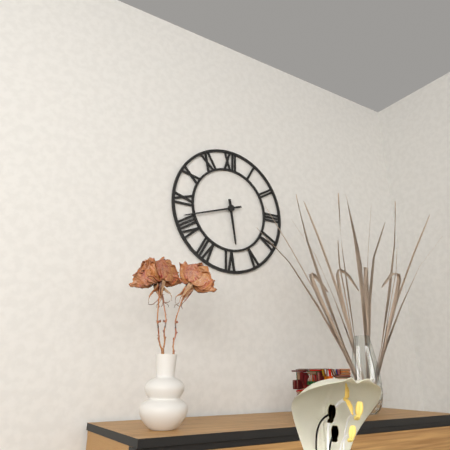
{"hour": 5, "minute": 42}
